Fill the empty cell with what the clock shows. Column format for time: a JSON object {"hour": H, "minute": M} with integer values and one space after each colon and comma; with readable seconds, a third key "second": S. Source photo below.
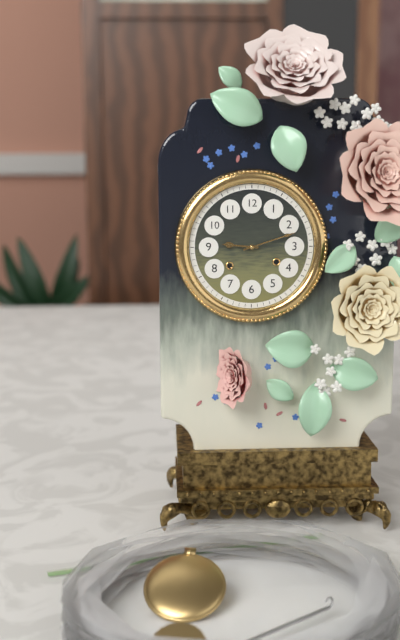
{"hour": 9, "minute": 12}
